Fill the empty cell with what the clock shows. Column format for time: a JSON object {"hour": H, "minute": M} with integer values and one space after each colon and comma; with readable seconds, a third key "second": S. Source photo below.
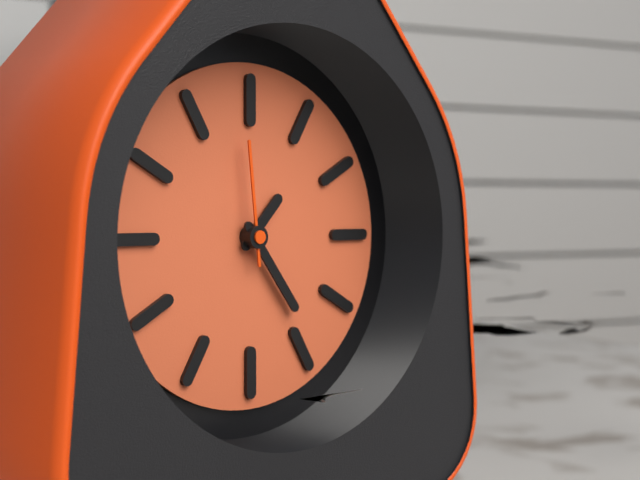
{"hour": 1, "minute": 24, "second": 59}
